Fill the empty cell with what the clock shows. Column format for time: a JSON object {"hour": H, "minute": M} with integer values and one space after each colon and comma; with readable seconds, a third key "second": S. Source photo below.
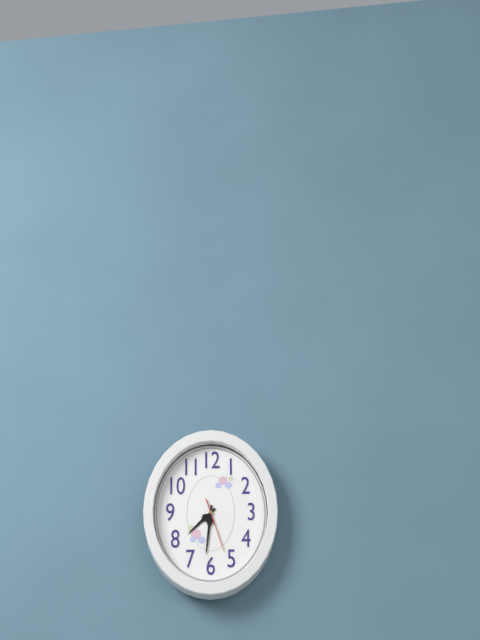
{"hour": 7, "minute": 31, "second": 27}
